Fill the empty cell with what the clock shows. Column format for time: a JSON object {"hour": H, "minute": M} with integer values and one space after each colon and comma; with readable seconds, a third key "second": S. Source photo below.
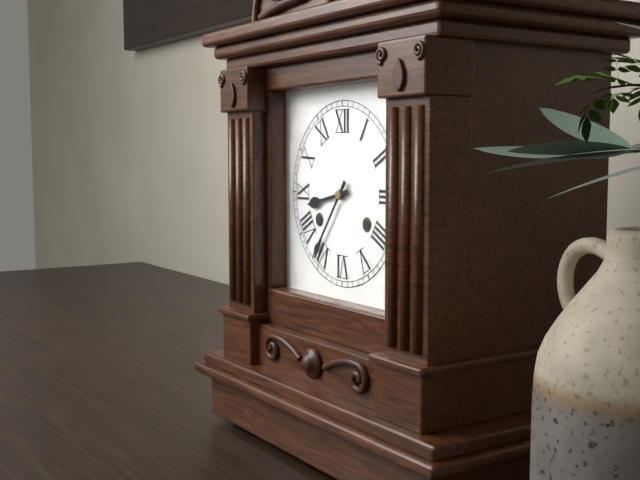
{"hour": 8, "minute": 36}
